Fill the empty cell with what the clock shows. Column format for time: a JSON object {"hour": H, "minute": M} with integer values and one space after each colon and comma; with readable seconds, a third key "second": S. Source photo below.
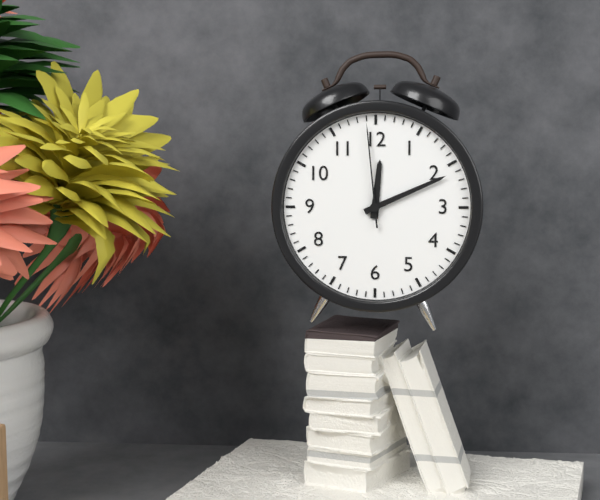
{"hour": 12, "minute": 11, "second": 59}
